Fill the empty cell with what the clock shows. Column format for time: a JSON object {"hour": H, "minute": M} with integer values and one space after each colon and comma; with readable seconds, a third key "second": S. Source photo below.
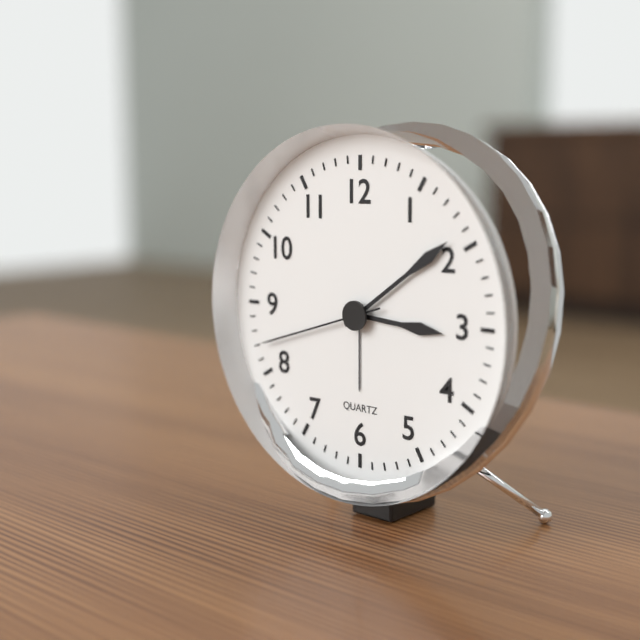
{"hour": 3, "minute": 9, "second": 42}
